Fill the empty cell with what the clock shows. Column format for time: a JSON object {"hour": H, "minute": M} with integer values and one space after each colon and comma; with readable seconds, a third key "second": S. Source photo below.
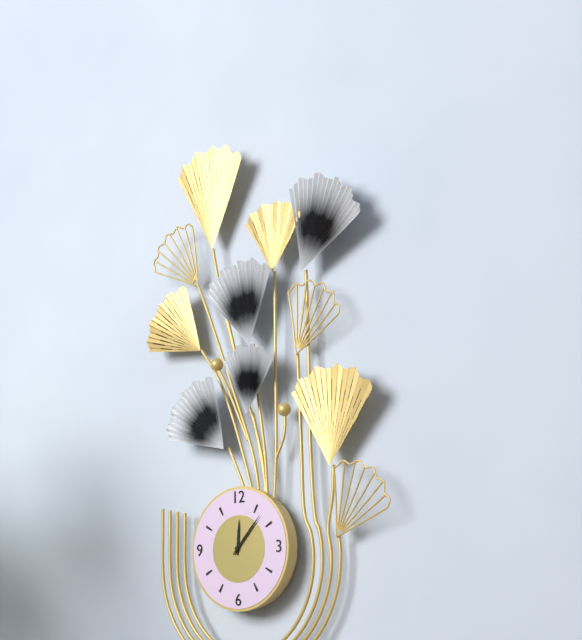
{"hour": 12, "minute": 7}
